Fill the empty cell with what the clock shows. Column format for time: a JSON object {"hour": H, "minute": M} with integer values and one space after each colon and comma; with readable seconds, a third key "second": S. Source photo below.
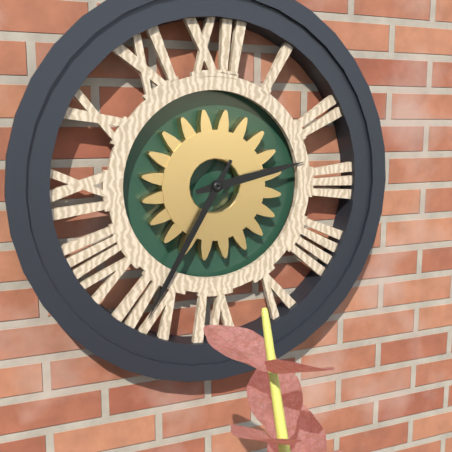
{"hour": 2, "minute": 35}
